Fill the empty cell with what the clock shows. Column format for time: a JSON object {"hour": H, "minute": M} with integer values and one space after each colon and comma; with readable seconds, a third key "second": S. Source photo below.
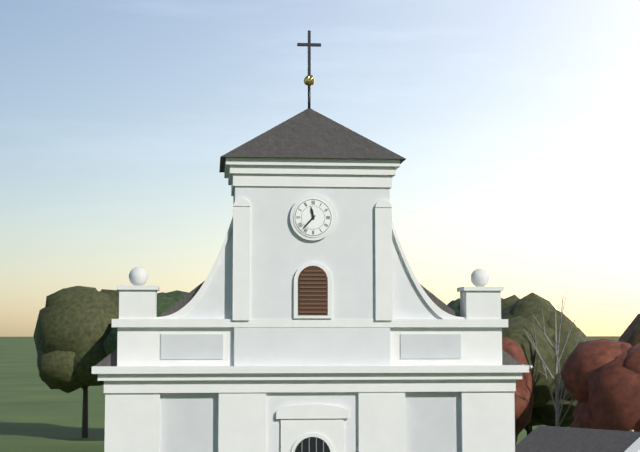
{"hour": 11, "minute": 37}
